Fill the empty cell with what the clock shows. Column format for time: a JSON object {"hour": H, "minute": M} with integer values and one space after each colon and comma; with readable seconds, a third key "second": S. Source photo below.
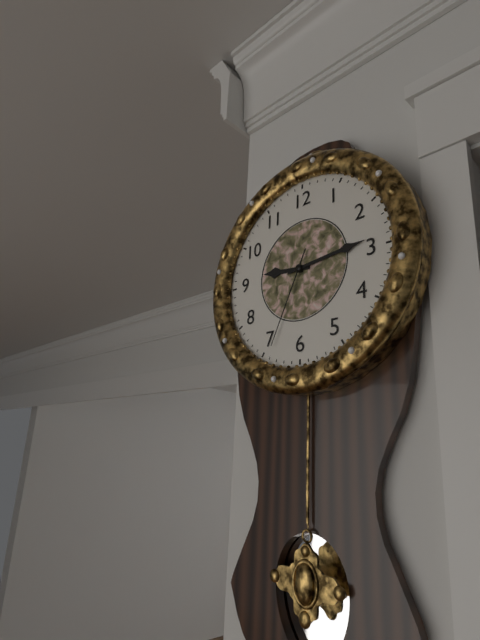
{"hour": 9, "minute": 14, "second": 34}
